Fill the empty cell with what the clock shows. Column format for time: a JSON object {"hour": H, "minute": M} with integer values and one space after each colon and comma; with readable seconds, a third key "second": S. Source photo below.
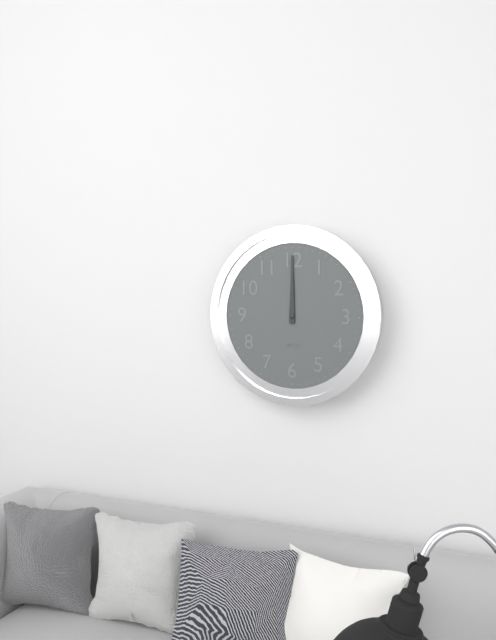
{"hour": 12, "minute": 0}
